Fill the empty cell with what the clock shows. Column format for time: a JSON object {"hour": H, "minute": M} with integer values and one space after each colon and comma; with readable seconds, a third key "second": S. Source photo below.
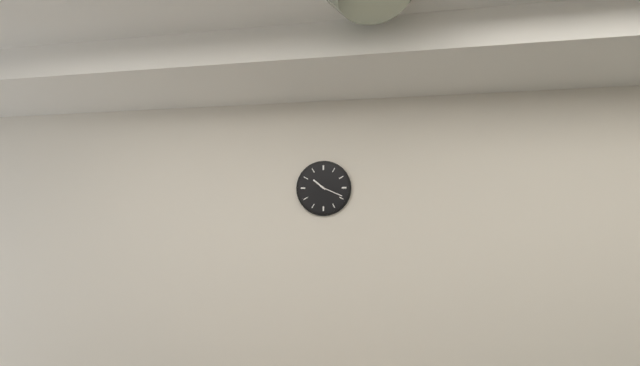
{"hour": 10, "minute": 19}
